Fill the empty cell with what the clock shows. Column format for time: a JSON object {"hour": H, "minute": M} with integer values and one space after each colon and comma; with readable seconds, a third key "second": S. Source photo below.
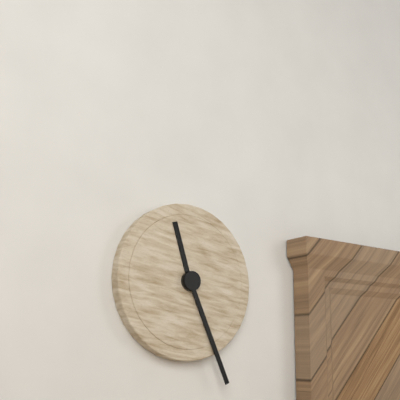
{"hour": 11, "minute": 26}
